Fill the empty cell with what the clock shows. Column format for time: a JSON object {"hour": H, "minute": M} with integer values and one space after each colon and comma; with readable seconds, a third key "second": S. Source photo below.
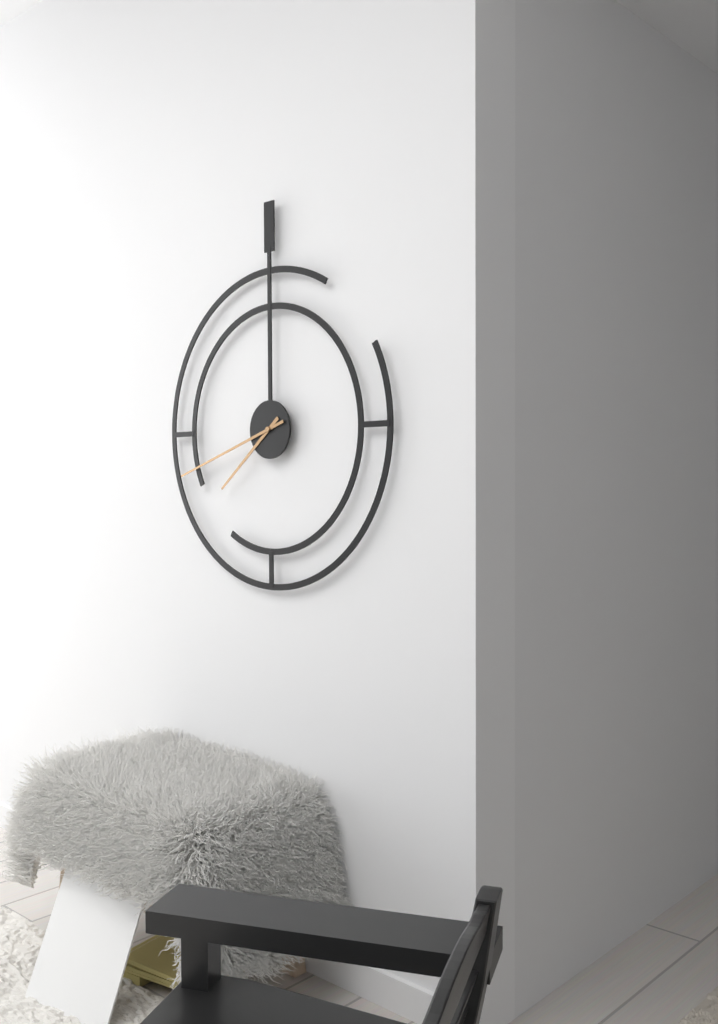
{"hour": 7, "minute": 42}
